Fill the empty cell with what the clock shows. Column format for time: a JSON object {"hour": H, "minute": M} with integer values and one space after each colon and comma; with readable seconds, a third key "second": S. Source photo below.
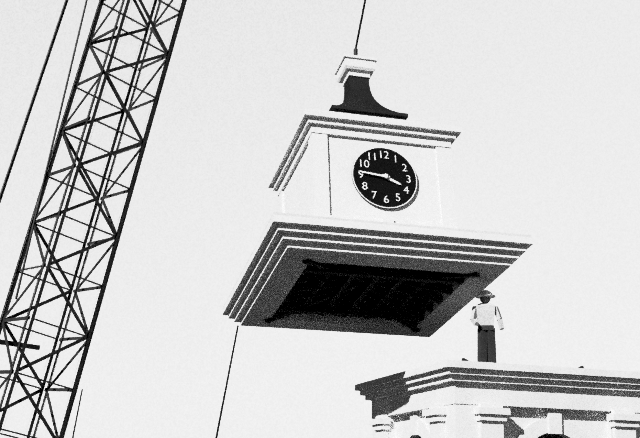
{"hour": 3, "minute": 46}
